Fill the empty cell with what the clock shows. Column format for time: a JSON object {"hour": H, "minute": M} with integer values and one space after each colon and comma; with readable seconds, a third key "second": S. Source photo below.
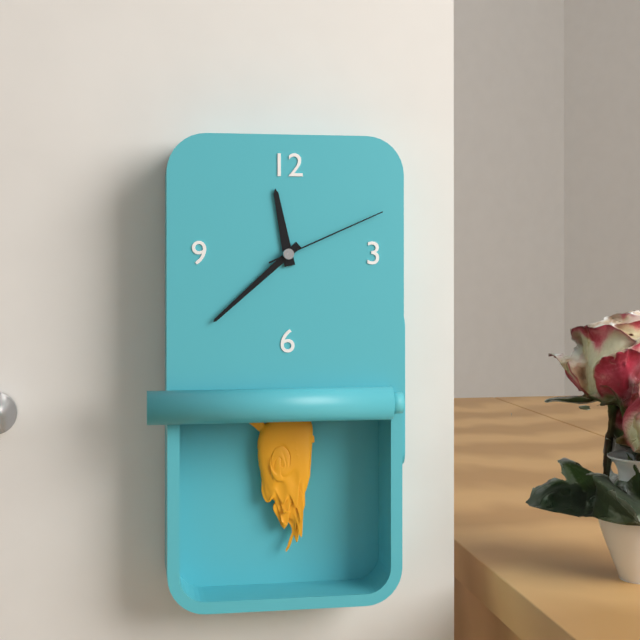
{"hour": 11, "minute": 38, "second": 11}
